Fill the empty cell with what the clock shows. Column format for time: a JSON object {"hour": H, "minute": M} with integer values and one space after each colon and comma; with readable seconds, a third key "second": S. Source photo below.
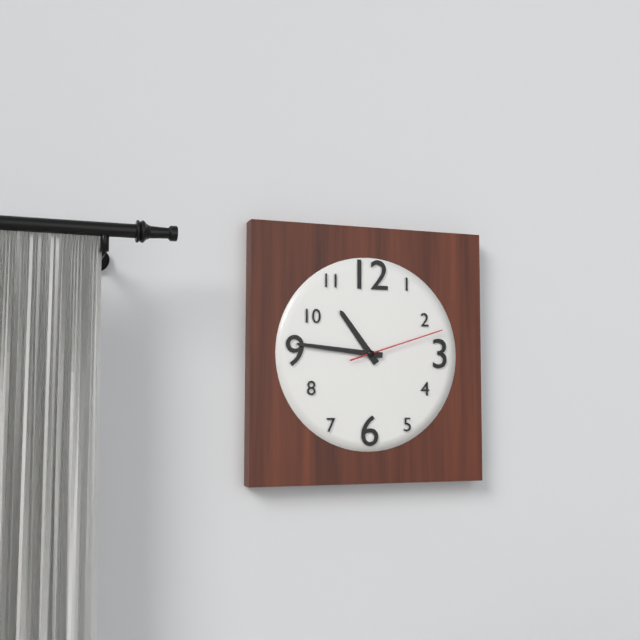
{"hour": 10, "minute": 46, "second": 12}
